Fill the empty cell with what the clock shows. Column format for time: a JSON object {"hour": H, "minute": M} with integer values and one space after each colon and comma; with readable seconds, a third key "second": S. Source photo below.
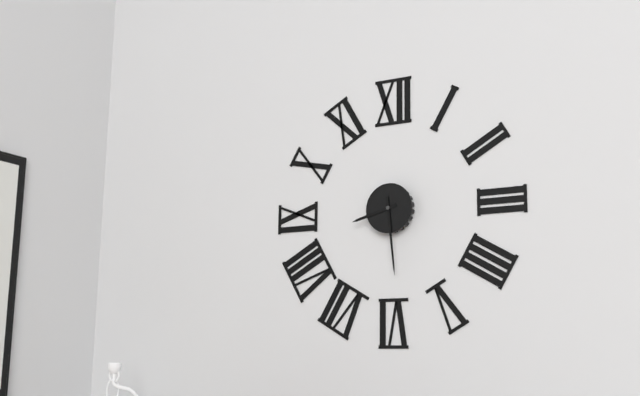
{"hour": 8, "minute": 29}
